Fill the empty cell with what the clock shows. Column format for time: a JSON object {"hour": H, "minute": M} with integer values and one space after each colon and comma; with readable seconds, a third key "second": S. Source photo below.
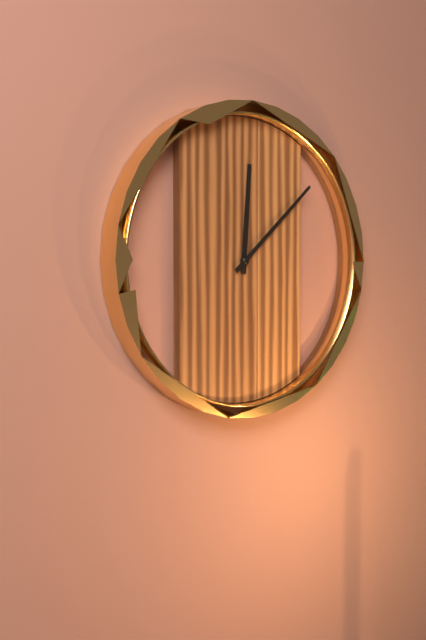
{"hour": 12, "minute": 8}
